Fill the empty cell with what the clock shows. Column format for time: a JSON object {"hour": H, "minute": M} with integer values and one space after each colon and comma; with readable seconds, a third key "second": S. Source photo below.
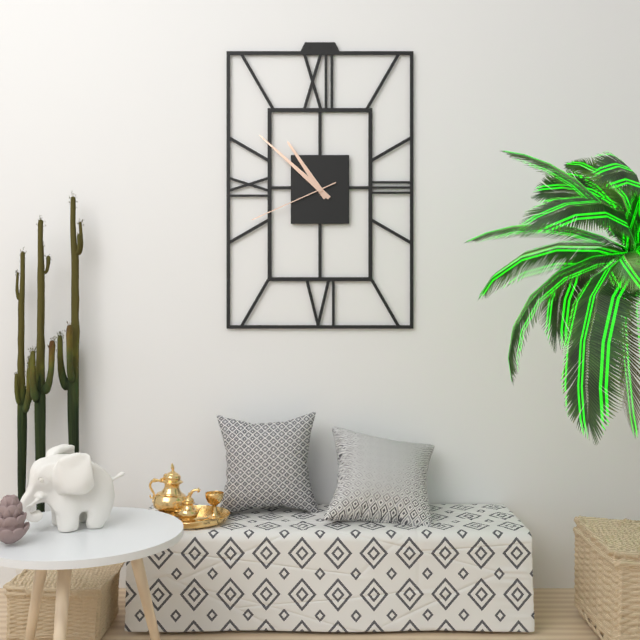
{"hour": 10, "minute": 52, "second": 41}
